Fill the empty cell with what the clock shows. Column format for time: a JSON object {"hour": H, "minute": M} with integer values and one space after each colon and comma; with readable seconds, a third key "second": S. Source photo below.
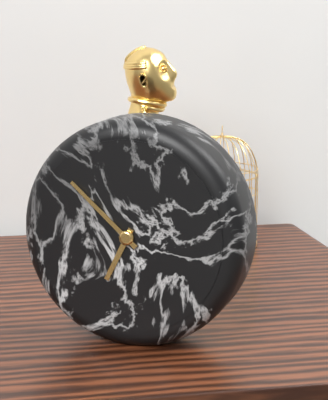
{"hour": 6, "minute": 52}
